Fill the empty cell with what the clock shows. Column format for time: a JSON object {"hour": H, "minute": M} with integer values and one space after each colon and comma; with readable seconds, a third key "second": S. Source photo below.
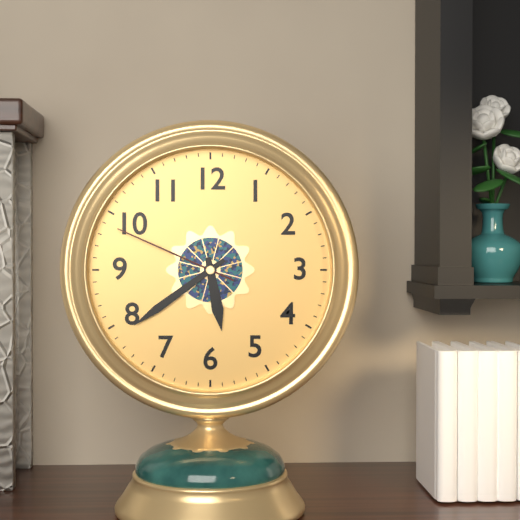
{"hour": 5, "minute": 39, "second": 49}
